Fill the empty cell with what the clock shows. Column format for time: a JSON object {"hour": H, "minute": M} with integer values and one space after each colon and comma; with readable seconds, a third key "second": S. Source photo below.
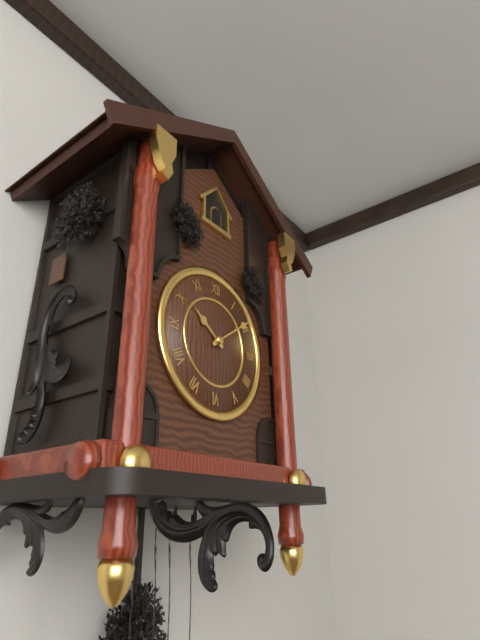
{"hour": 10, "minute": 9}
